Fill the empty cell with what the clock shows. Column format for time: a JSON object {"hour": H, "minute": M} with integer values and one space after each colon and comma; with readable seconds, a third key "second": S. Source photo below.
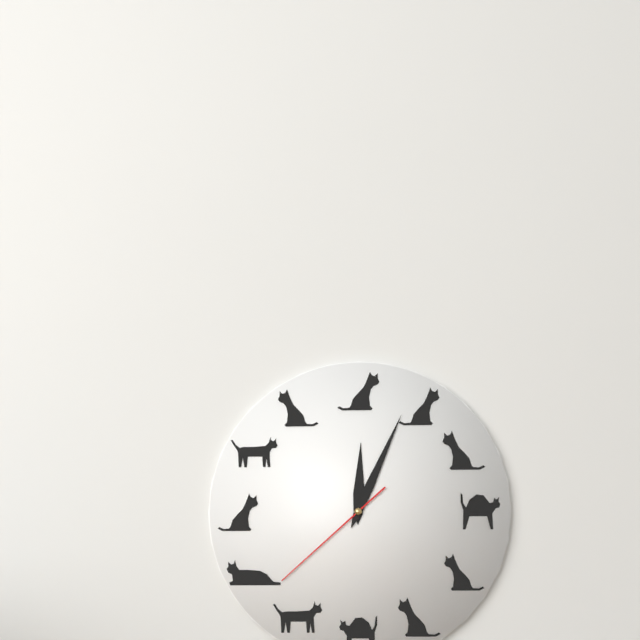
{"hour": 12, "minute": 4, "second": 38}
